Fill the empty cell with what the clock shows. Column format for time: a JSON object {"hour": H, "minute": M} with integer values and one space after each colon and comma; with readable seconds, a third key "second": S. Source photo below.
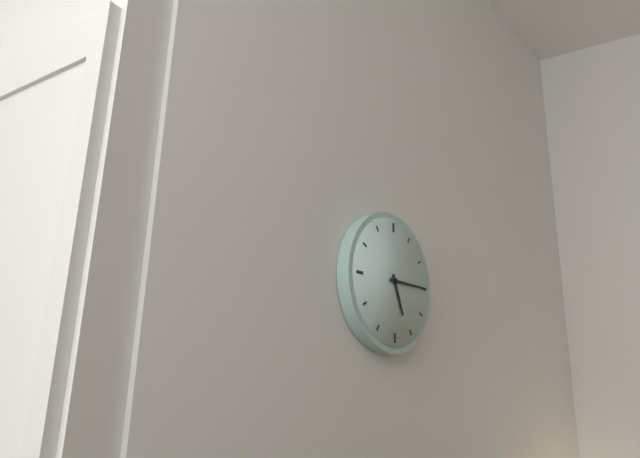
{"hour": 5, "minute": 15}
